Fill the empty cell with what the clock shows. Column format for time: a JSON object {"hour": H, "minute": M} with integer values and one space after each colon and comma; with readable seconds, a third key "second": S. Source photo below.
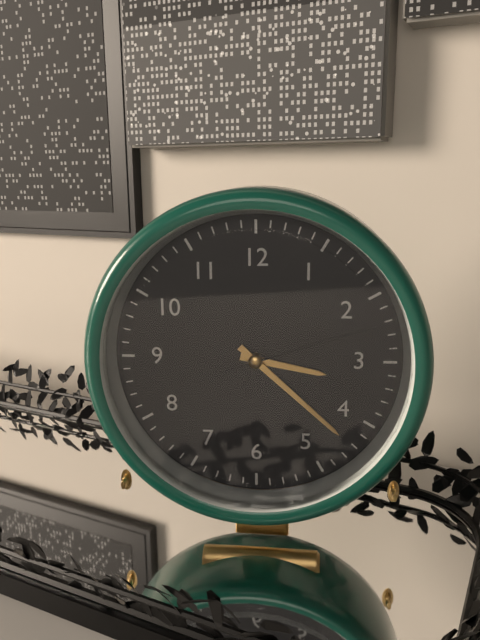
{"hour": 3, "minute": 22, "second": 12}
